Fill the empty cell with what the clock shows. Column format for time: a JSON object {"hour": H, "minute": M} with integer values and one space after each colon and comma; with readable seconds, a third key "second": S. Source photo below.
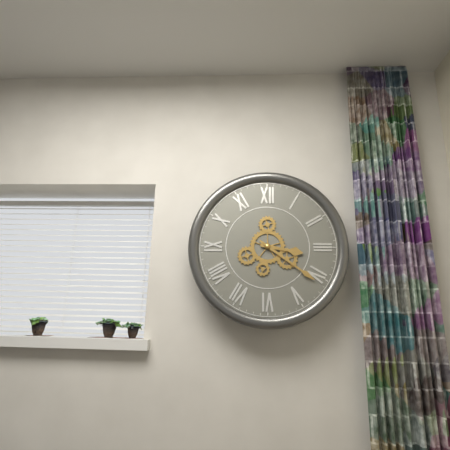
{"hour": 3, "minute": 21}
